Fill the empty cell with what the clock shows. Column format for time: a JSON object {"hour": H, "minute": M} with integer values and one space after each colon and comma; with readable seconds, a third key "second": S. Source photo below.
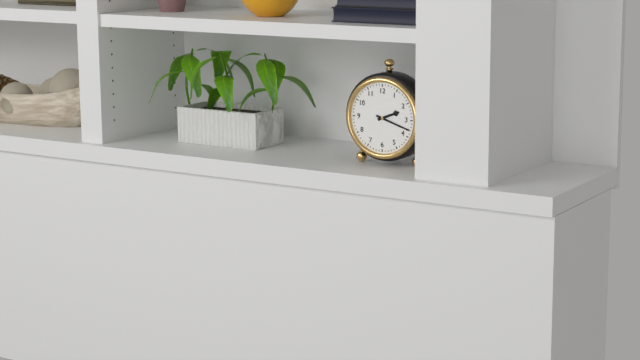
{"hour": 2, "minute": 18}
